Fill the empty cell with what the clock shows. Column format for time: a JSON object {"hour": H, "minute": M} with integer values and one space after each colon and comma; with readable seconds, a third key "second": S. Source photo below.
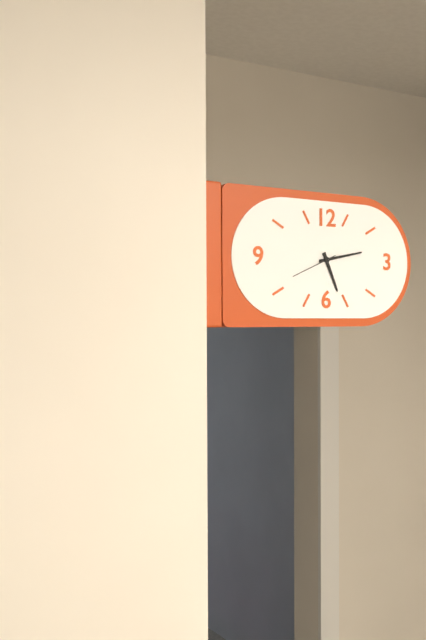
{"hour": 5, "minute": 13}
